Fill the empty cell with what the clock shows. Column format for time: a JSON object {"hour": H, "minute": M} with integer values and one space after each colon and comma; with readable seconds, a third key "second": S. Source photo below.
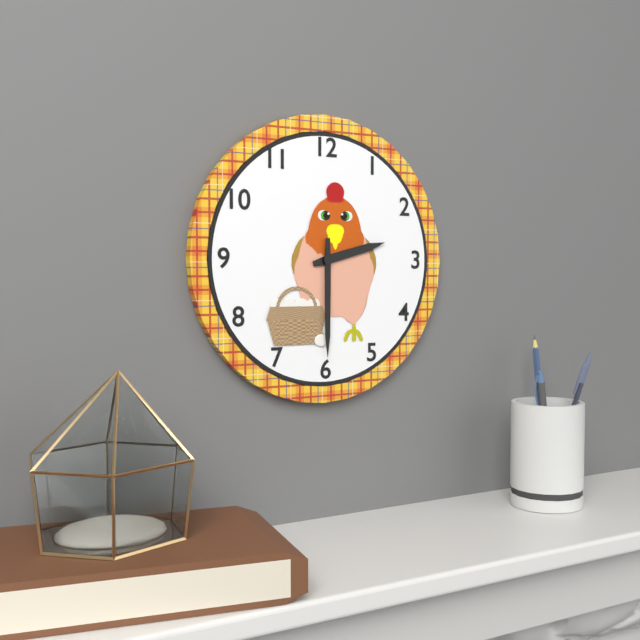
{"hour": 2, "minute": 30}
